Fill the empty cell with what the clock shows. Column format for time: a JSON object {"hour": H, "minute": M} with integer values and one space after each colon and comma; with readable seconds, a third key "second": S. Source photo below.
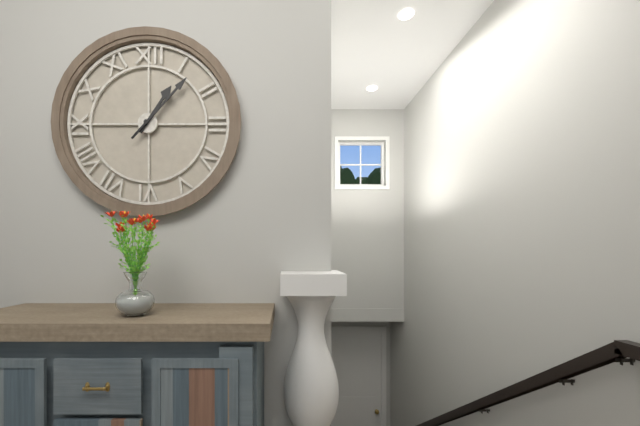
{"hour": 1, "minute": 7}
